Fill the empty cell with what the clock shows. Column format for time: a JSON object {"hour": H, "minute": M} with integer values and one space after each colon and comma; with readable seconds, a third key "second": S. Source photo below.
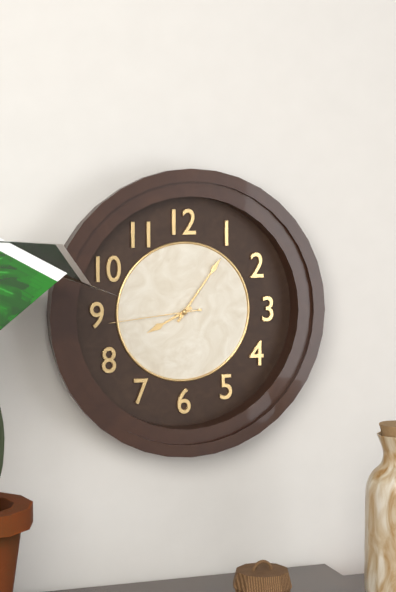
{"hour": 8, "minute": 6, "second": 44}
